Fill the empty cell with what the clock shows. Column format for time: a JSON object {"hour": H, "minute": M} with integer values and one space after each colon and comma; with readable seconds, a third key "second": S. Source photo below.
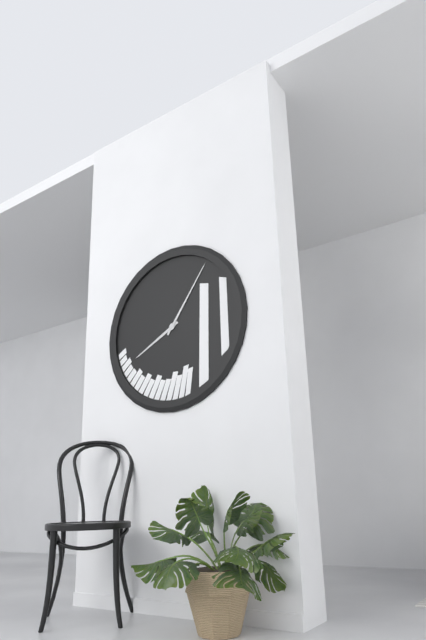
{"hour": 8, "minute": 6}
